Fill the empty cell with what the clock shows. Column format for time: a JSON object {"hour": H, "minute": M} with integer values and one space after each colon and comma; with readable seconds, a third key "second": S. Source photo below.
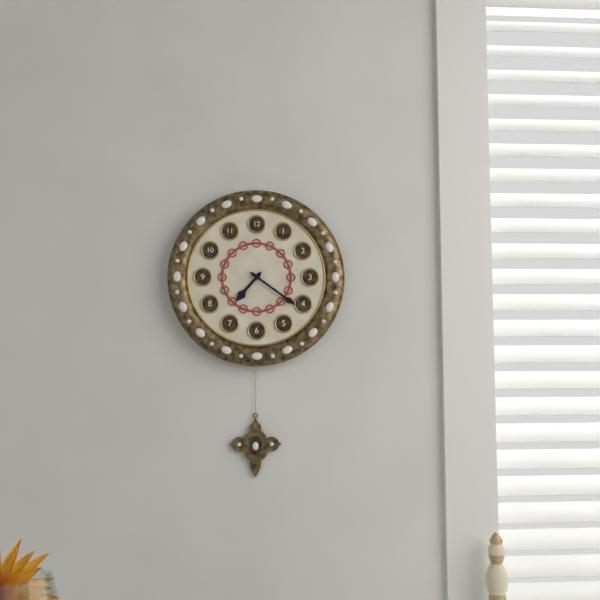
{"hour": 7, "minute": 21}
